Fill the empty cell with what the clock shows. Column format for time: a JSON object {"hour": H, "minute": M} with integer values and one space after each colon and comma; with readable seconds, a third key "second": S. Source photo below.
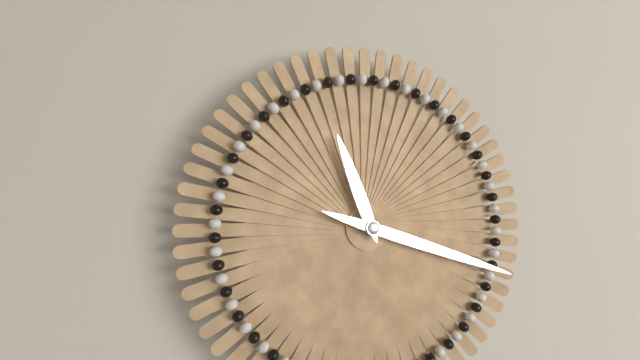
{"hour": 11, "minute": 18}
